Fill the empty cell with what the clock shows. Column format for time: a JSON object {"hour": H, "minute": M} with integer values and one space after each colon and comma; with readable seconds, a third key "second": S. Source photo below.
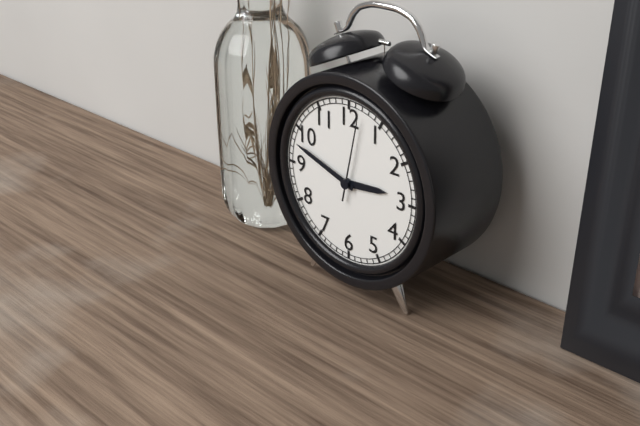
{"hour": 2, "minute": 48, "second": 2}
